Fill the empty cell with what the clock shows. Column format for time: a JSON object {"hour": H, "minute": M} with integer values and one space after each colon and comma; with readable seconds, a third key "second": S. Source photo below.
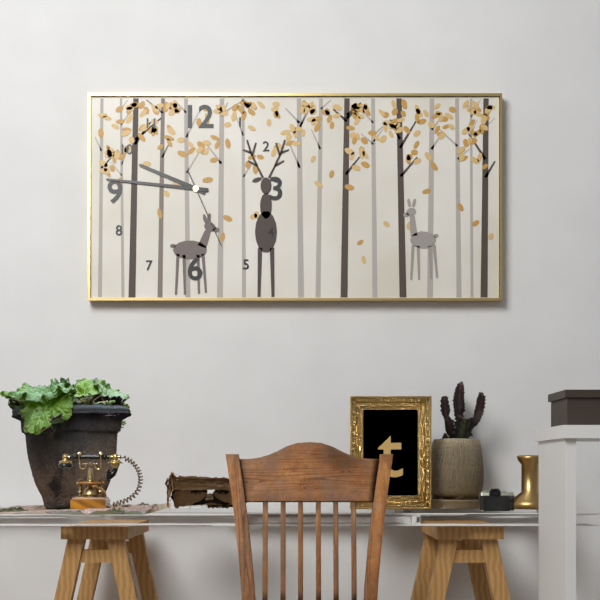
{"hour": 9, "minute": 46, "second": 26}
